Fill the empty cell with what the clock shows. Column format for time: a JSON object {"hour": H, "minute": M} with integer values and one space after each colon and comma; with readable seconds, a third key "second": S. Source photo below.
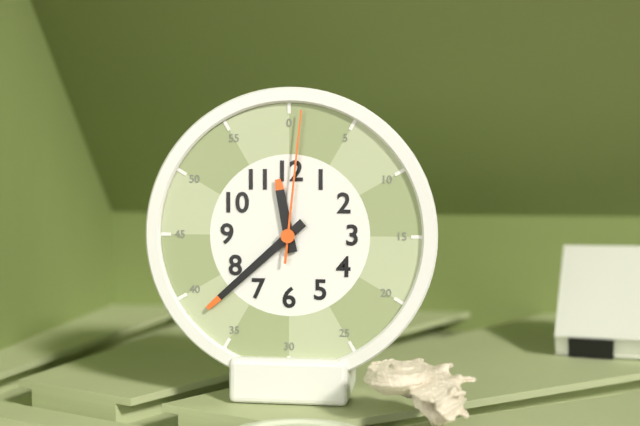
{"hour": 11, "minute": 38, "second": 1}
